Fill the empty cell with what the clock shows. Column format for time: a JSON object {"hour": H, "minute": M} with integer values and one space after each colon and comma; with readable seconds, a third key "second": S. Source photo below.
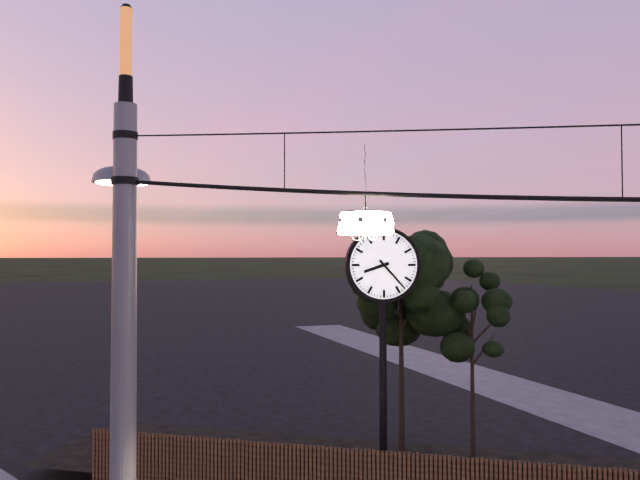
{"hour": 8, "minute": 23}
